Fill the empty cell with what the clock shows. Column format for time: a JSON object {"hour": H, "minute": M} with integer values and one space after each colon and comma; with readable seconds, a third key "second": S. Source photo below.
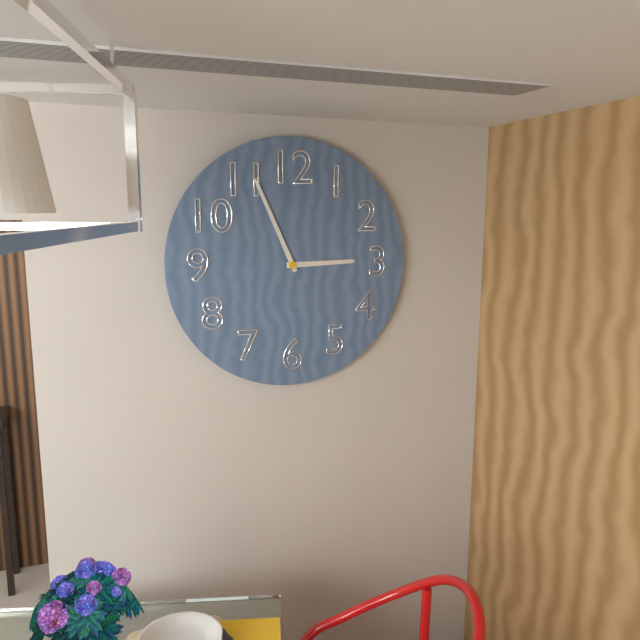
{"hour": 2, "minute": 56}
